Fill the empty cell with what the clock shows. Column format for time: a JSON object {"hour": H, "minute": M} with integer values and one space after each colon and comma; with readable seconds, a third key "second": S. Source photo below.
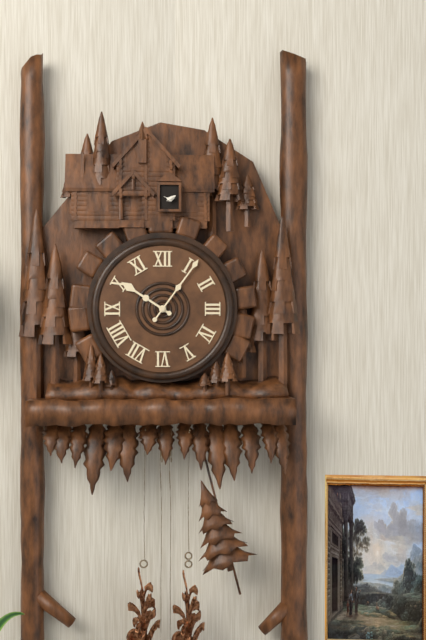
{"hour": 10, "minute": 6}
